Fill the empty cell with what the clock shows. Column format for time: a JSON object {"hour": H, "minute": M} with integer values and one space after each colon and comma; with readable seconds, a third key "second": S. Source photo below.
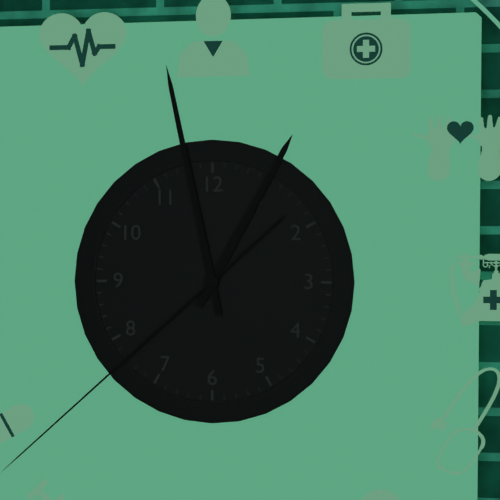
{"hour": 12, "minute": 58}
